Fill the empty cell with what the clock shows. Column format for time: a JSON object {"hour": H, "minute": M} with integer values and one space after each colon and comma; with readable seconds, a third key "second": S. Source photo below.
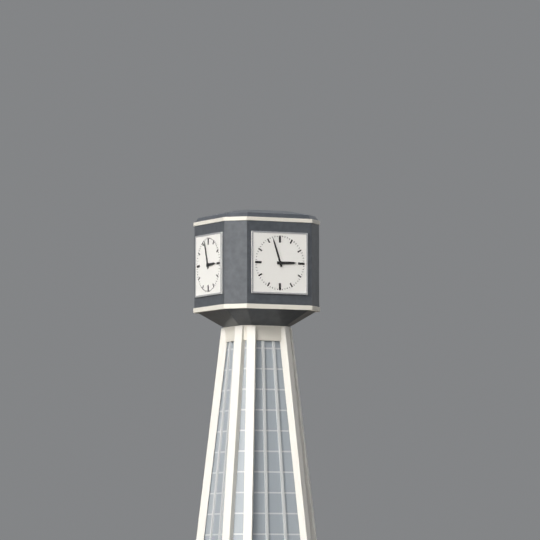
{"hour": 2, "minute": 57}
